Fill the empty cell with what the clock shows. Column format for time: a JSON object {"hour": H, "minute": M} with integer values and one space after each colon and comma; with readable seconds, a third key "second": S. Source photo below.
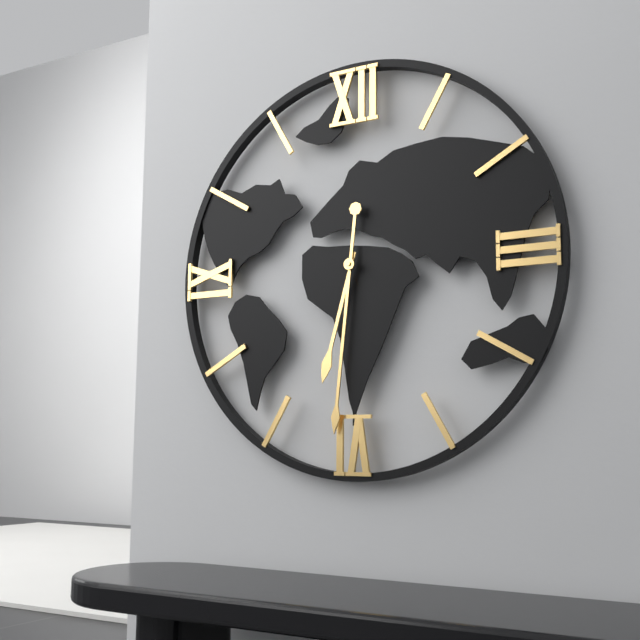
{"hour": 6, "minute": 31}
